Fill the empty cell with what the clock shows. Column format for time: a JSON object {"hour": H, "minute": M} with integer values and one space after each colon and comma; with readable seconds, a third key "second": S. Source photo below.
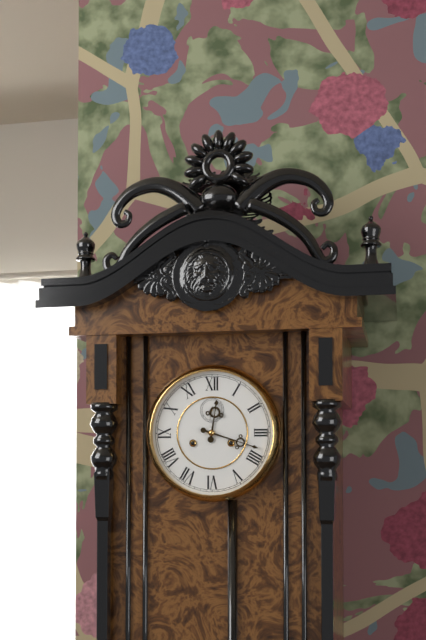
{"hour": 12, "minute": 18}
